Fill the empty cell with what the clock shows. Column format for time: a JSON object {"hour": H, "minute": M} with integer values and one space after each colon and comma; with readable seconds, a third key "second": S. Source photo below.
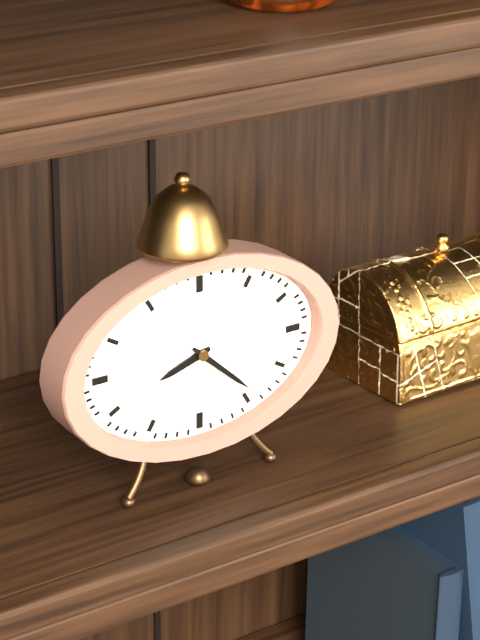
{"hour": 8, "minute": 22}
